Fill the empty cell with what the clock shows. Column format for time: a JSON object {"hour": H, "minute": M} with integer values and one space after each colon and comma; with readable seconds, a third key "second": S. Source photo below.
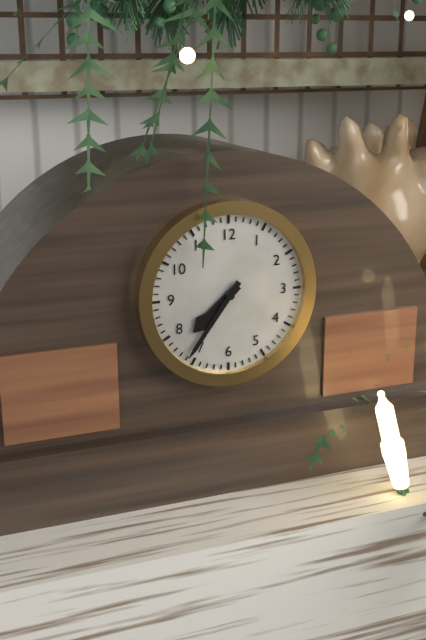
{"hour": 7, "minute": 36}
